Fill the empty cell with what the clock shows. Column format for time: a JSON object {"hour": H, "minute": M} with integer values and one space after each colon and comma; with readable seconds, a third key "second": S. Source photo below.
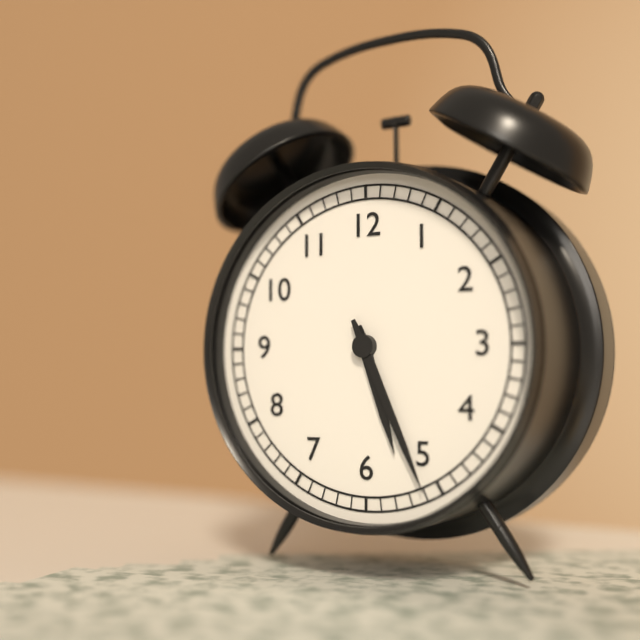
{"hour": 5, "minute": 26}
